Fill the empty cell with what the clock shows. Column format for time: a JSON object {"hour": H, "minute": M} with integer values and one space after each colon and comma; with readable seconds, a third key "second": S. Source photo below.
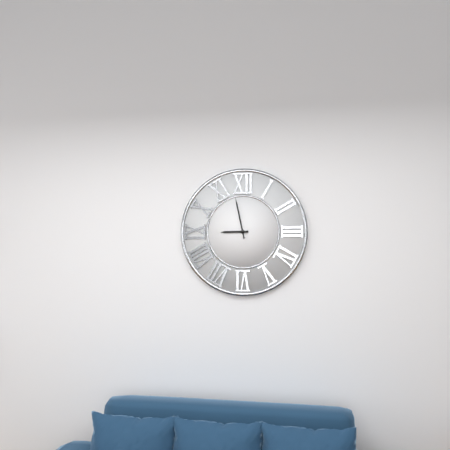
{"hour": 8, "minute": 58}
